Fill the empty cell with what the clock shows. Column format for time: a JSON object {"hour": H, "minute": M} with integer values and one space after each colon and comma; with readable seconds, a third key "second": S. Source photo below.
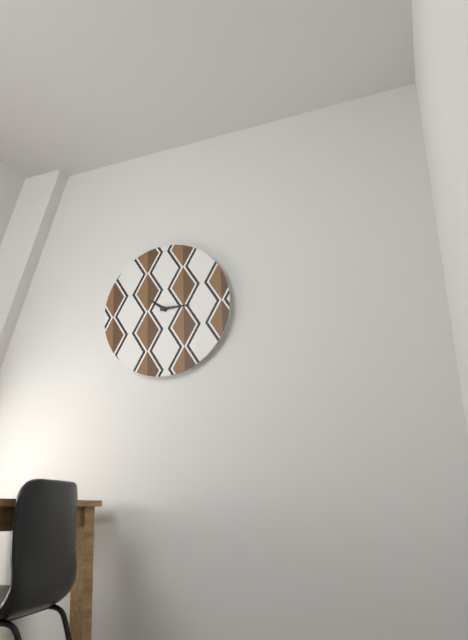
{"hour": 10, "minute": 15}
